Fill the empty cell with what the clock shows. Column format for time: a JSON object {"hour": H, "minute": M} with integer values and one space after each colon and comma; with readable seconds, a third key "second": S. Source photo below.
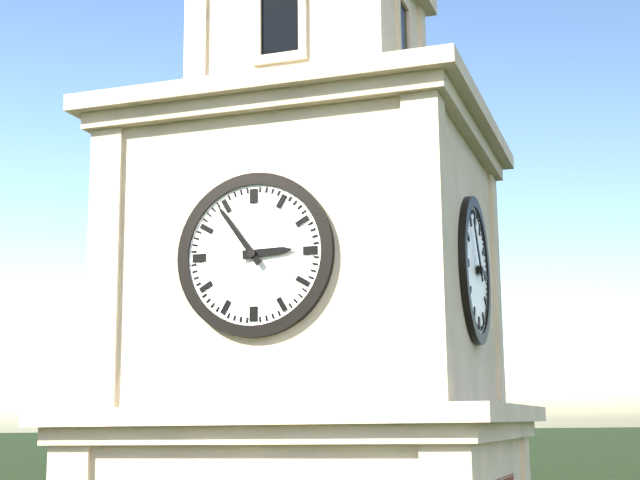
{"hour": 2, "minute": 54}
